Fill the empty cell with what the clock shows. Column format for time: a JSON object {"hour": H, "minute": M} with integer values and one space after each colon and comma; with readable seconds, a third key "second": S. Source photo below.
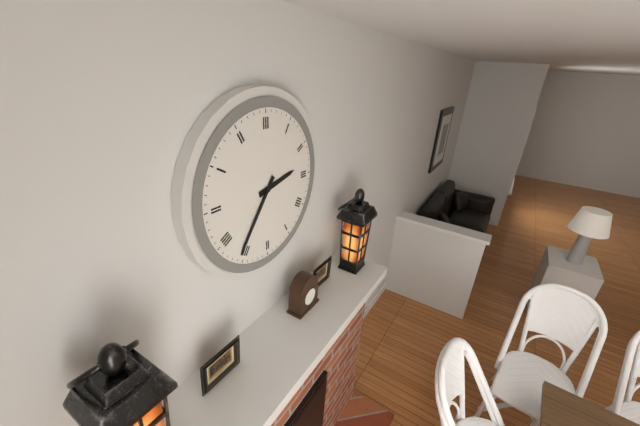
{"hour": 2, "minute": 36}
